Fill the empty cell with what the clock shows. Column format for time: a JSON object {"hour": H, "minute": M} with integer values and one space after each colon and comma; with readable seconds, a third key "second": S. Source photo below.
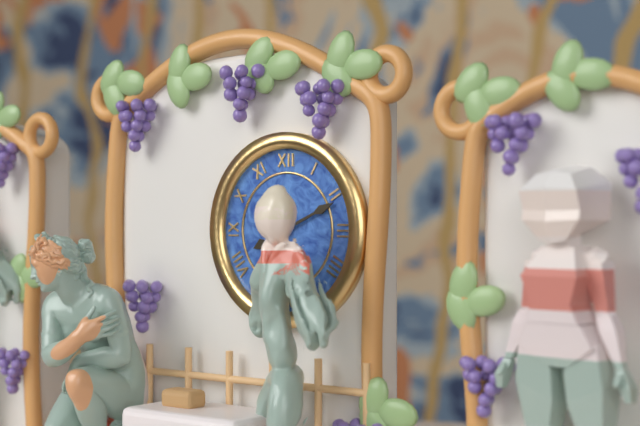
{"hour": 8, "minute": 11}
